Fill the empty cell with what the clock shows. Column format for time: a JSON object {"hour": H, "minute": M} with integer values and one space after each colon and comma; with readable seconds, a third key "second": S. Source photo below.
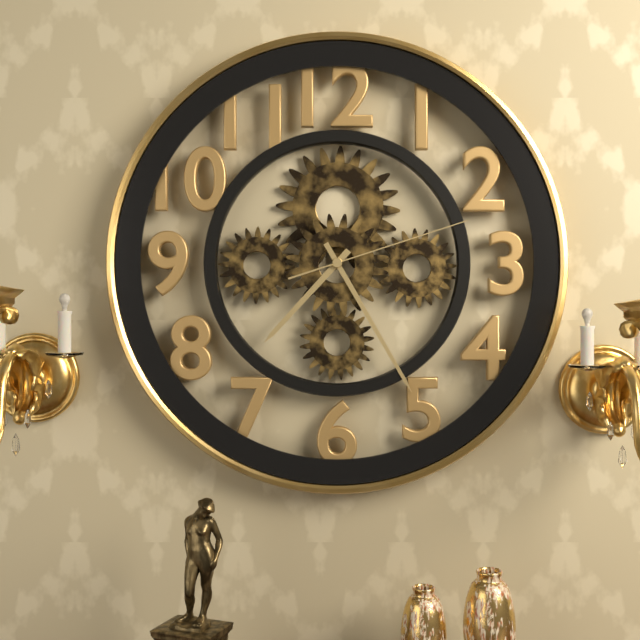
{"hour": 7, "minute": 25, "second": 12}
